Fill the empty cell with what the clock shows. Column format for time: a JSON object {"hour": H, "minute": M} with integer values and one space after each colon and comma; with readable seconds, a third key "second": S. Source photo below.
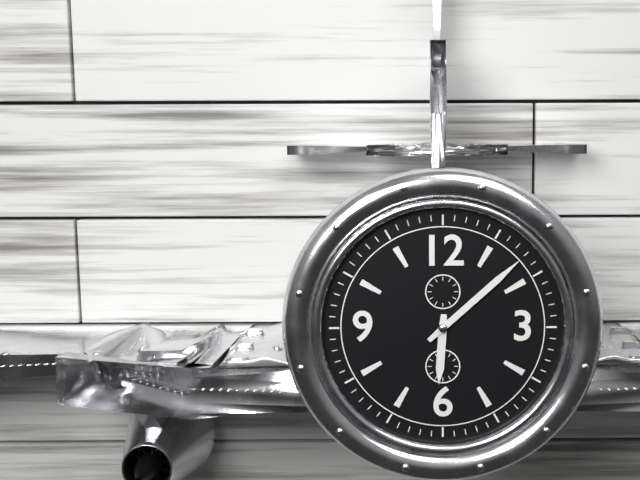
{"hour": 6, "minute": 8}
